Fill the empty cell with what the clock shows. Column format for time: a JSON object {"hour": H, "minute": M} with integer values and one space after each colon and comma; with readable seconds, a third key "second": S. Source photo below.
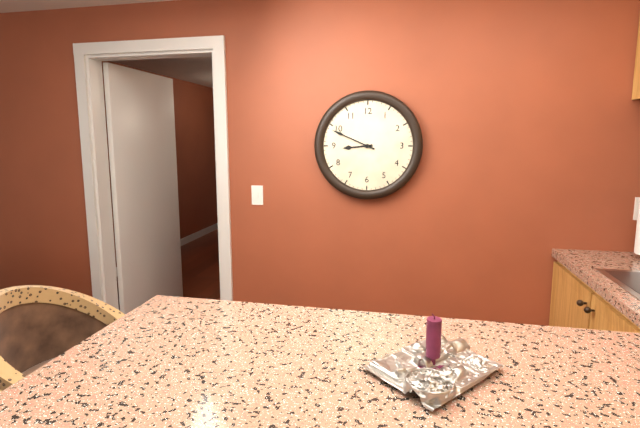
{"hour": 8, "minute": 49}
